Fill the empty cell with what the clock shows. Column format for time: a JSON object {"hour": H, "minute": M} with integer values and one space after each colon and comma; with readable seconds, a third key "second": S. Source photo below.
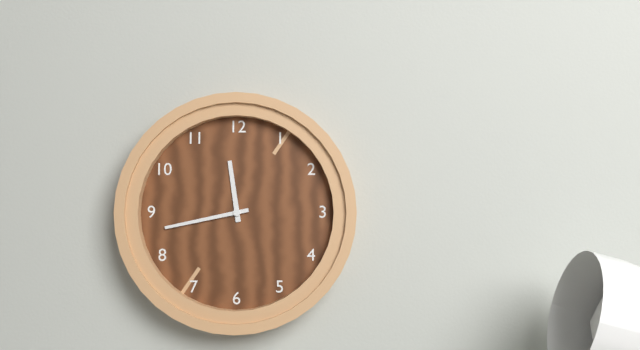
{"hour": 11, "minute": 43}
